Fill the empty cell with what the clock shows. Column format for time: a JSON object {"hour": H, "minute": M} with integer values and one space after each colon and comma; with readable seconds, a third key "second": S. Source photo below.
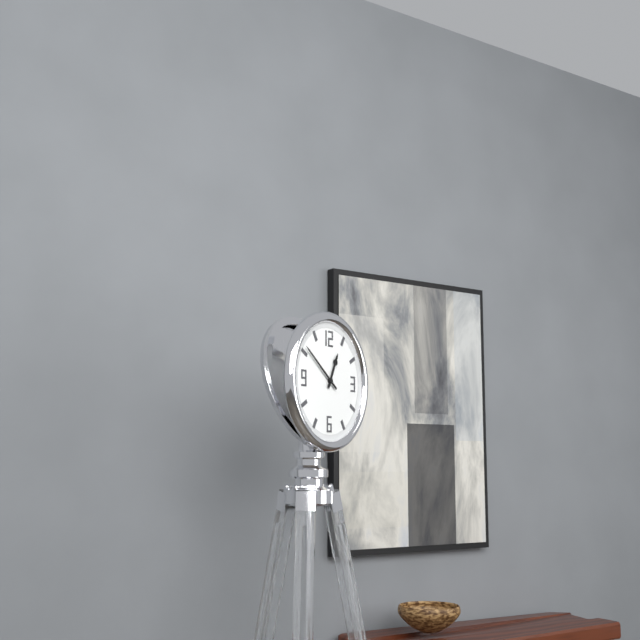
{"hour": 12, "minute": 51}
